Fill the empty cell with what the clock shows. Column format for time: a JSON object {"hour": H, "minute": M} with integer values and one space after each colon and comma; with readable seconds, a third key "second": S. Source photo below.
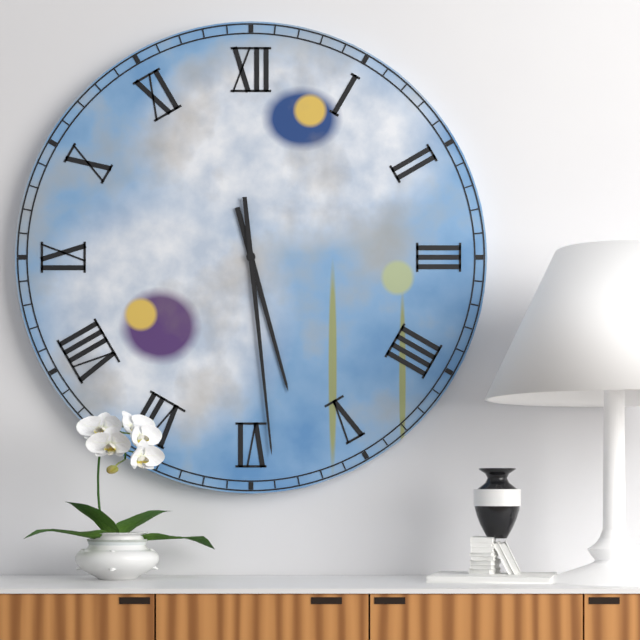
{"hour": 5, "minute": 29}
